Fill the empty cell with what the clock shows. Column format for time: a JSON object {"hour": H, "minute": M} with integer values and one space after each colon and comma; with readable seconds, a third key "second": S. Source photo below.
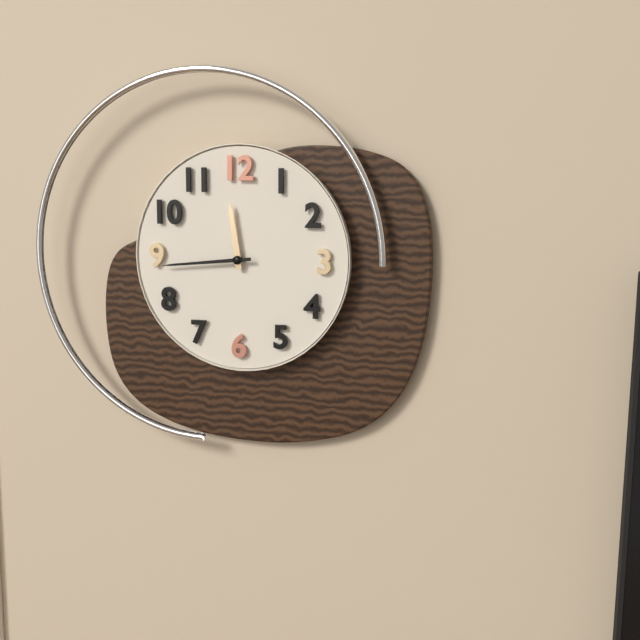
{"hour": 11, "minute": 44}
